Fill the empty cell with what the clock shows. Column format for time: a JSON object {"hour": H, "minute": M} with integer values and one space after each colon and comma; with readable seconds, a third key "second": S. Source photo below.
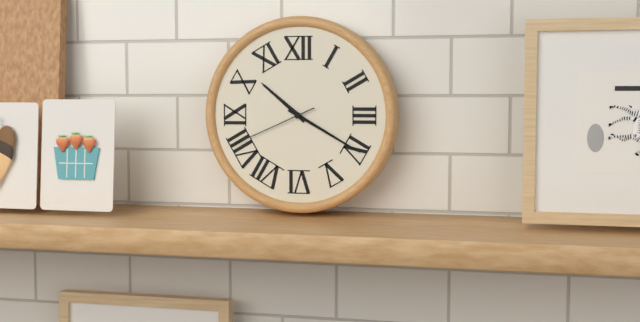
{"hour": 10, "minute": 20, "second": 41}
